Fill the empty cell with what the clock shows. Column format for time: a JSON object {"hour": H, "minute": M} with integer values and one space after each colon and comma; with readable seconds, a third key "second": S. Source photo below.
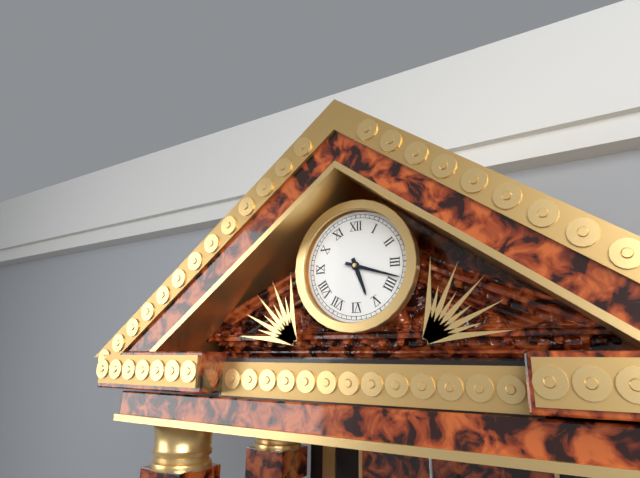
{"hour": 5, "minute": 18}
